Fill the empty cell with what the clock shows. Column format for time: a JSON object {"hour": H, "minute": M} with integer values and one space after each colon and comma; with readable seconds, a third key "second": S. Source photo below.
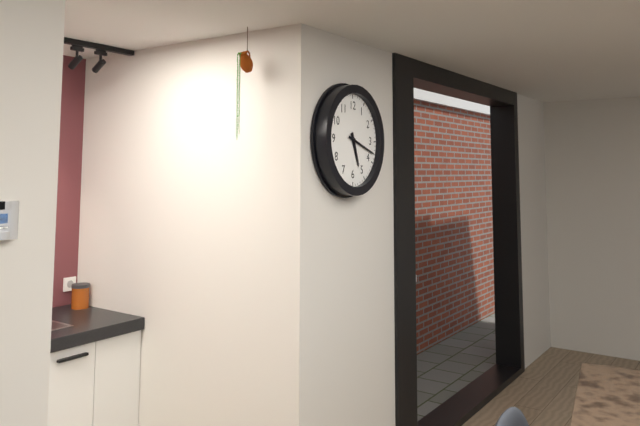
{"hour": 5, "minute": 18}
